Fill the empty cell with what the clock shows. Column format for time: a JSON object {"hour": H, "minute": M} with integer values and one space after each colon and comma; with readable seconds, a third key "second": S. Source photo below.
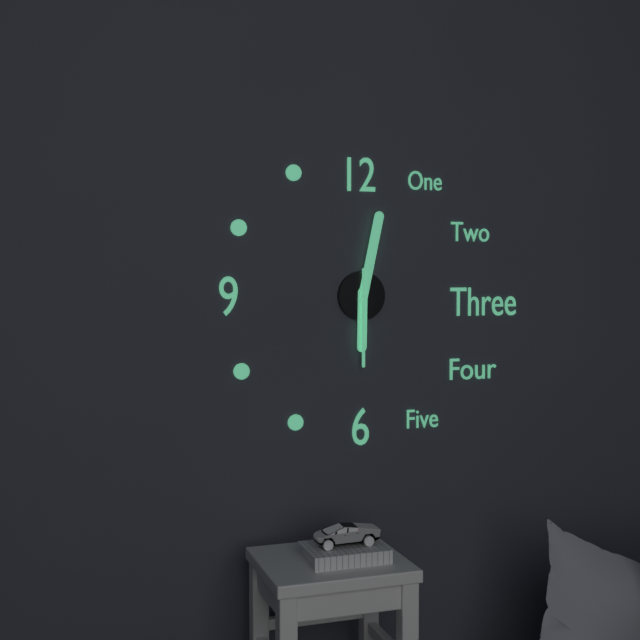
{"hour": 6, "minute": 2, "second": 30}
